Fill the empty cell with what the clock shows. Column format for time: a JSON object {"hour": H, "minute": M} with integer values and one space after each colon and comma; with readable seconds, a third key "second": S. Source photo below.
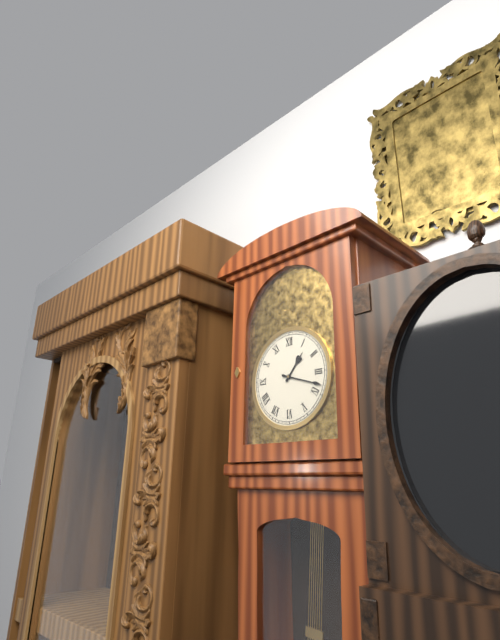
{"hour": 1, "minute": 18}
